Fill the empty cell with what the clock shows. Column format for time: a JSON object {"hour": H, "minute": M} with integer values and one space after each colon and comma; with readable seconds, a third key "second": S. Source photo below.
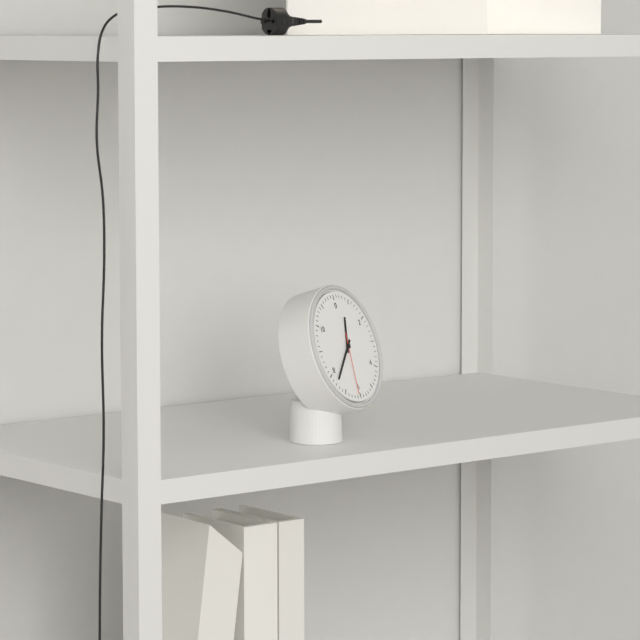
{"hour": 12, "minute": 38, "second": 31}
